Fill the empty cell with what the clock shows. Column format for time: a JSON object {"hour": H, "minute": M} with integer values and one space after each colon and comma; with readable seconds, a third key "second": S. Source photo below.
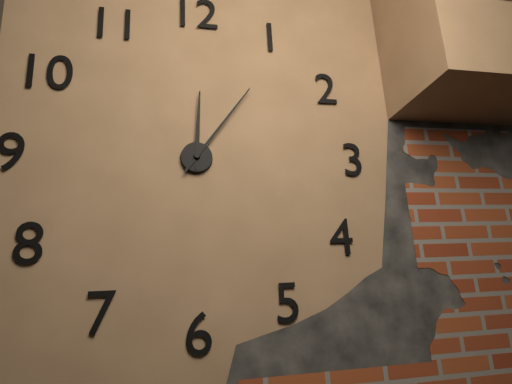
{"hour": 12, "minute": 6}
